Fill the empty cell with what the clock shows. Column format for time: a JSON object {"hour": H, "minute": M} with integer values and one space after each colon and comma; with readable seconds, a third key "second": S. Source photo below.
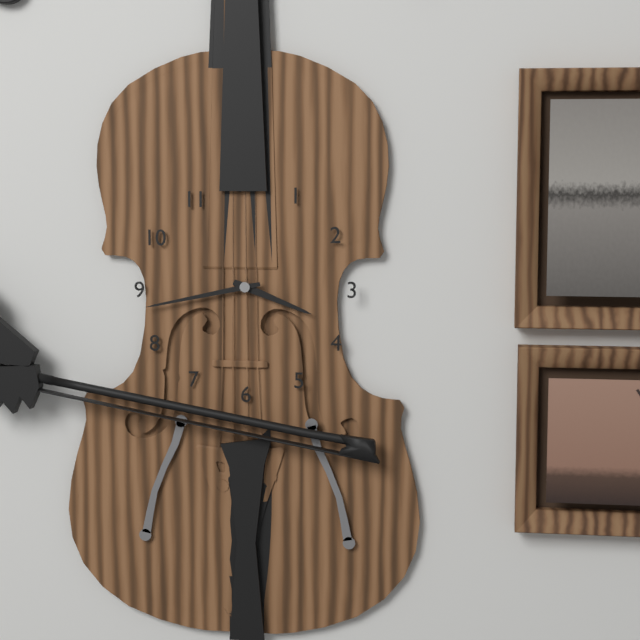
{"hour": 3, "minute": 43}
